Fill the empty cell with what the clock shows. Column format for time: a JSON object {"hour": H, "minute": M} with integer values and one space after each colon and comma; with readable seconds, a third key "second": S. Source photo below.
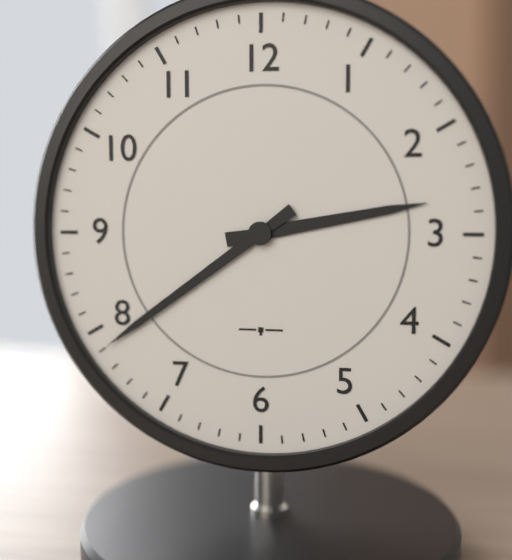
{"hour": 2, "minute": 39}
